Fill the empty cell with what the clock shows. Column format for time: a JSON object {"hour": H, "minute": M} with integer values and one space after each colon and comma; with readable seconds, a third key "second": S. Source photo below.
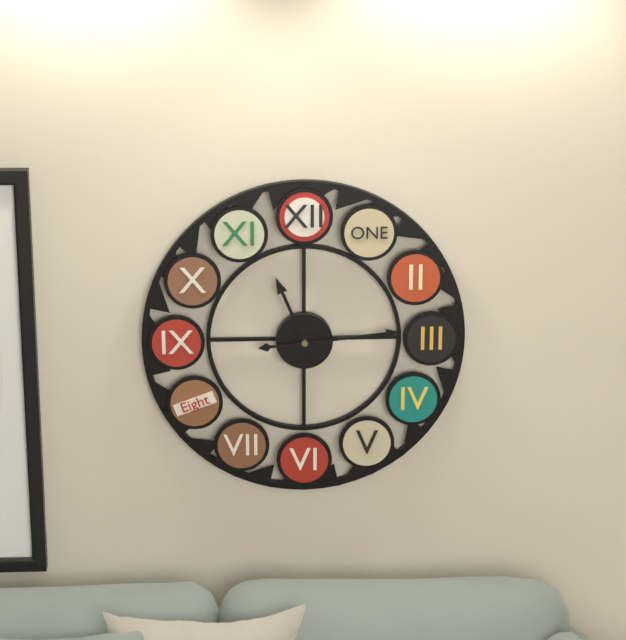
{"hour": 11, "minute": 14}
